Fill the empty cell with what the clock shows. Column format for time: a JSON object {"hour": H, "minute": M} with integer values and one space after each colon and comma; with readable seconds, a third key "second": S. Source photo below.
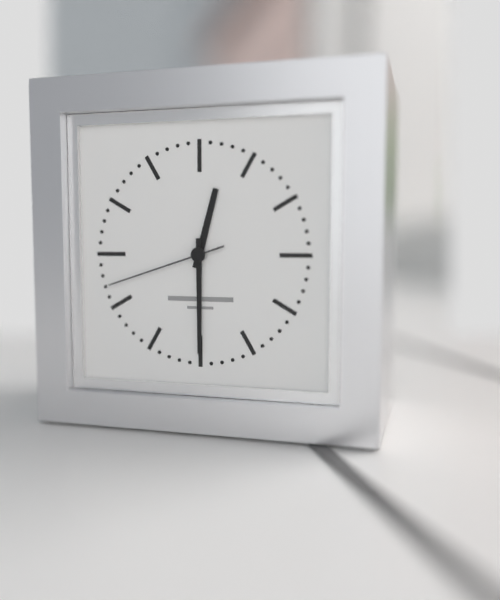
{"hour": 12, "minute": 30, "second": 42}
